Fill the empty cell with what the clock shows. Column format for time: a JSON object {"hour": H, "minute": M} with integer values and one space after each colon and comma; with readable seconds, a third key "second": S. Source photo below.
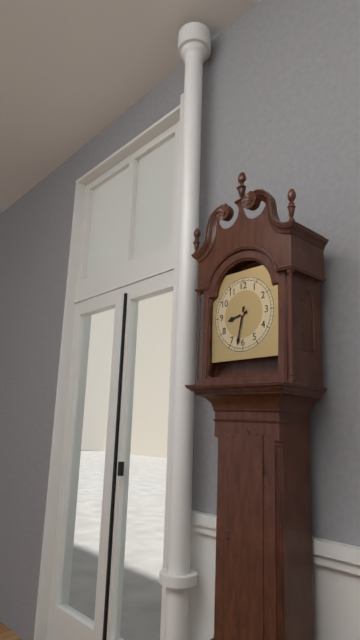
{"hour": 8, "minute": 32}
